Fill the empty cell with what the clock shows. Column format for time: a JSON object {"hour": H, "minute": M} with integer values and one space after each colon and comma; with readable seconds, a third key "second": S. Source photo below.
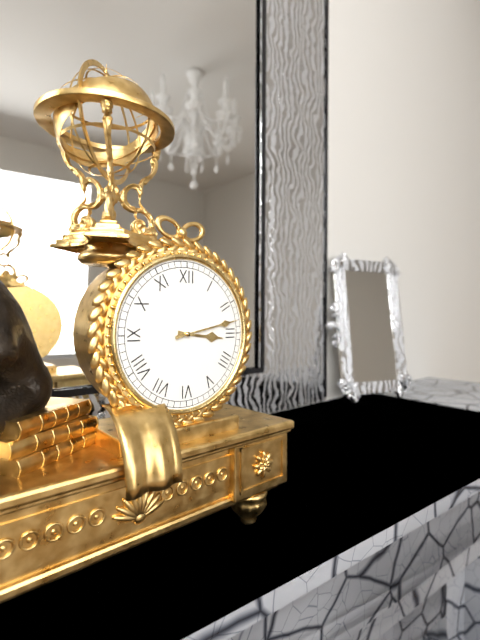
{"hour": 3, "minute": 13}
